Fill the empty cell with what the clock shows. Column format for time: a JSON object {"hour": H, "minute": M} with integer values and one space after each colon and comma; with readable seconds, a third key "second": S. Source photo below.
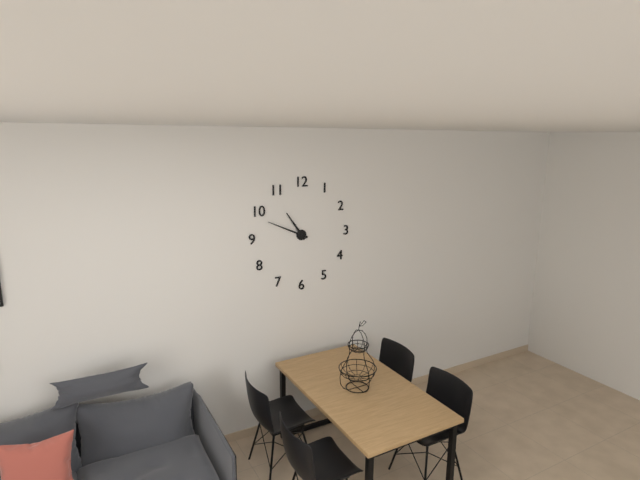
{"hour": 10, "minute": 49}
